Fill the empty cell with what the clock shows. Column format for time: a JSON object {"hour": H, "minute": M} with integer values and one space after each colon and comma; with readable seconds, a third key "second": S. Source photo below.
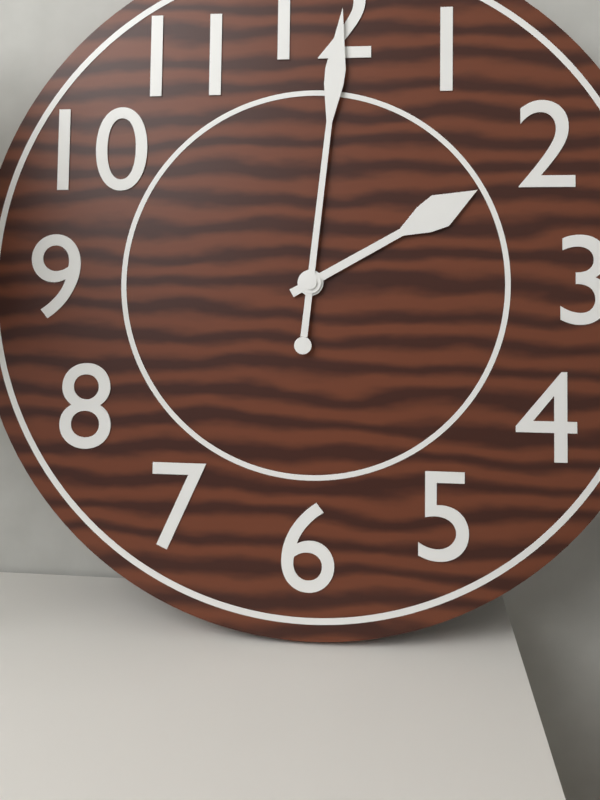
{"hour": 2, "minute": 1}
